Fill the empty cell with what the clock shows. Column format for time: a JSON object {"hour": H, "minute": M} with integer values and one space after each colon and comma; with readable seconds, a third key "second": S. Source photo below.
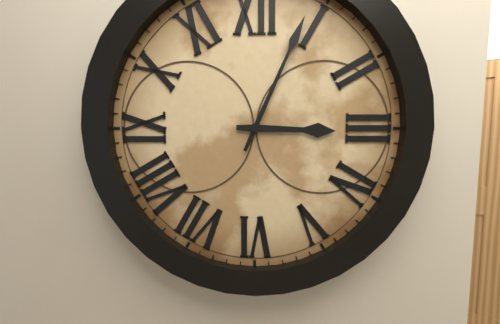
{"hour": 3, "minute": 4}
